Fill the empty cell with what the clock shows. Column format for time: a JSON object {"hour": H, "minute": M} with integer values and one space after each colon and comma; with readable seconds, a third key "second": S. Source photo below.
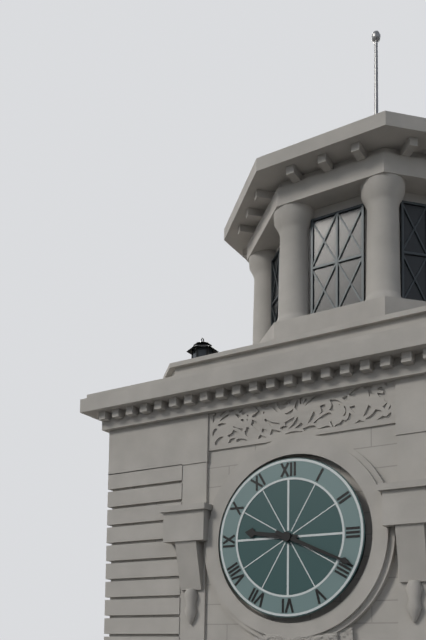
{"hour": 9, "minute": 19}
